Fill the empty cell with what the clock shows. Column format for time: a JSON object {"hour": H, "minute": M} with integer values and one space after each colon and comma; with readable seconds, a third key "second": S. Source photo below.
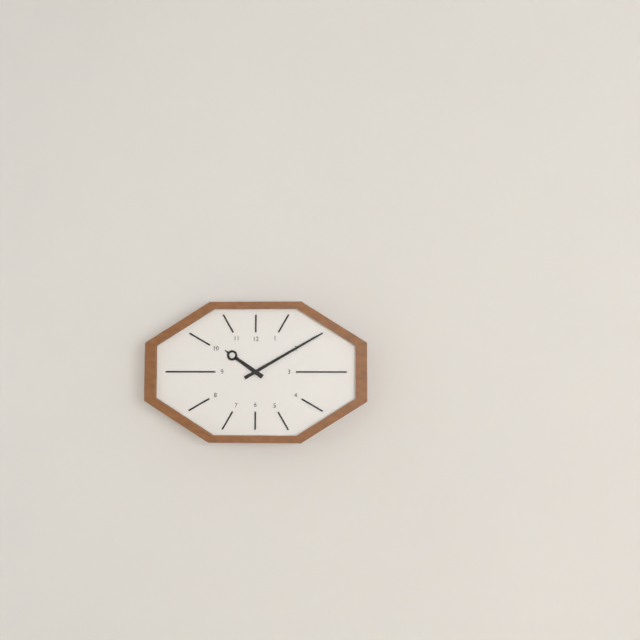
{"hour": 10, "minute": 10}
